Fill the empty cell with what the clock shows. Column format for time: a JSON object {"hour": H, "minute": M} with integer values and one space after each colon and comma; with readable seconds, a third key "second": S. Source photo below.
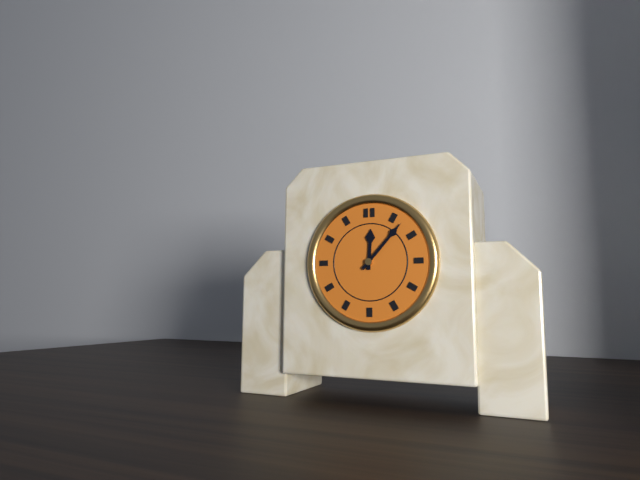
{"hour": 12, "minute": 7}
